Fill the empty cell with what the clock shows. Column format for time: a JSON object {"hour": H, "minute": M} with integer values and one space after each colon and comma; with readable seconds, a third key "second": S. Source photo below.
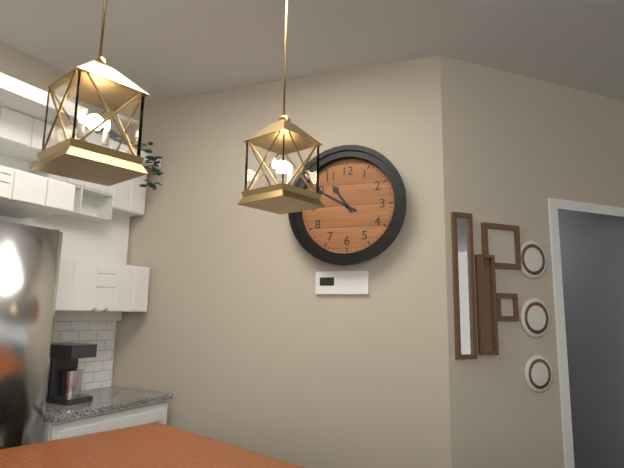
{"hour": 10, "minute": 50}
